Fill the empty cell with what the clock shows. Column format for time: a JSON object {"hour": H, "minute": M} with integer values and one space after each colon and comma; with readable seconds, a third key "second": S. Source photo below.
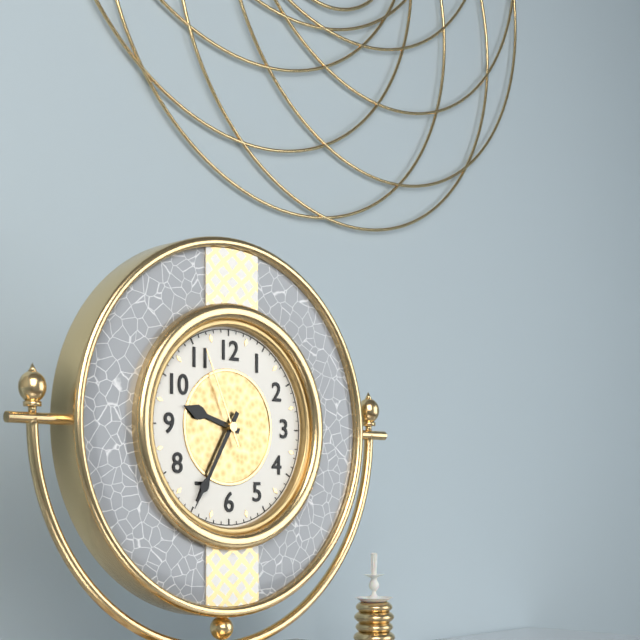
{"hour": 9, "minute": 35, "second": 56}
